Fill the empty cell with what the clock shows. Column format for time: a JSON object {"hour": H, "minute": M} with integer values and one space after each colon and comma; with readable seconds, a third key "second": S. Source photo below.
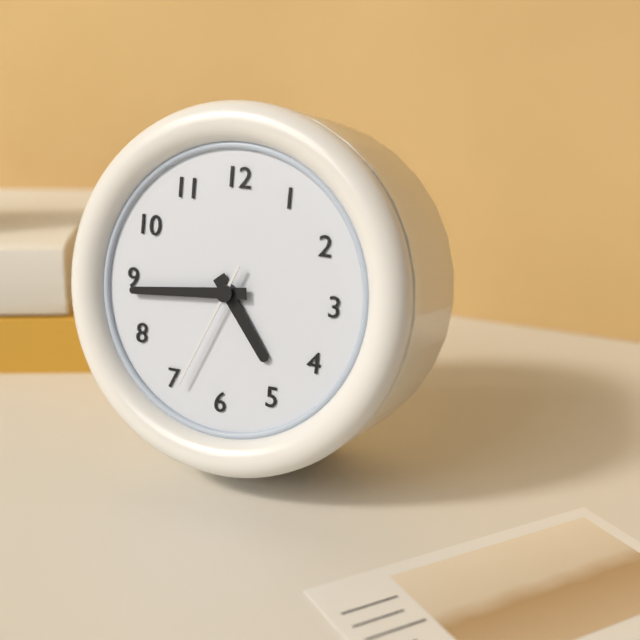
{"hour": 4, "minute": 44, "second": 34}
